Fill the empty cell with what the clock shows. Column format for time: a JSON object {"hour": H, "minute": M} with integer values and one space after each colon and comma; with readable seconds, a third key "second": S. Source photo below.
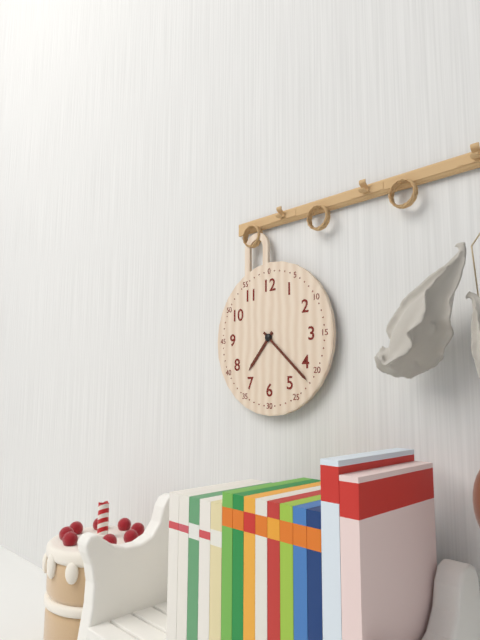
{"hour": 7, "minute": 22}
